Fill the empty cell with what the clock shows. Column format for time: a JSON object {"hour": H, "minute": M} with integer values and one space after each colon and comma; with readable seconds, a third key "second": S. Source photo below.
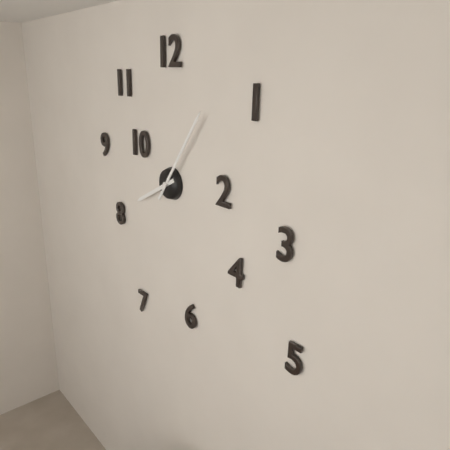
{"hour": 8, "minute": 6}
